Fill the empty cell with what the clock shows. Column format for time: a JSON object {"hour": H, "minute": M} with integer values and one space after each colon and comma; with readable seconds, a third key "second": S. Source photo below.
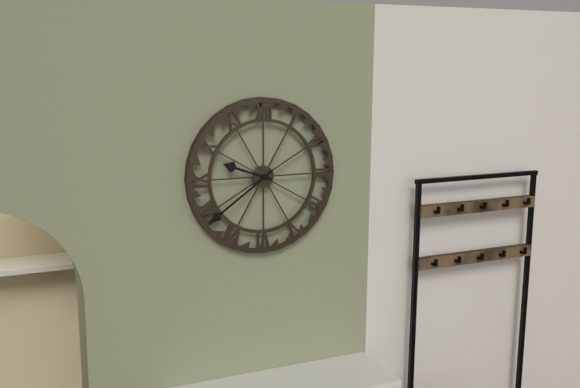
{"hour": 9, "minute": 39}
